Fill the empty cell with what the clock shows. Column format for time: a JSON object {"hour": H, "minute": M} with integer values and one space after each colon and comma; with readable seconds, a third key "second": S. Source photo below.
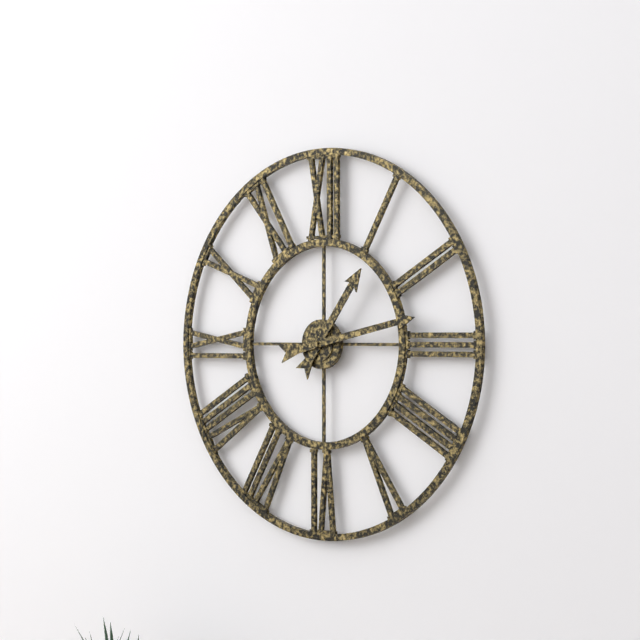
{"hour": 1, "minute": 13}
